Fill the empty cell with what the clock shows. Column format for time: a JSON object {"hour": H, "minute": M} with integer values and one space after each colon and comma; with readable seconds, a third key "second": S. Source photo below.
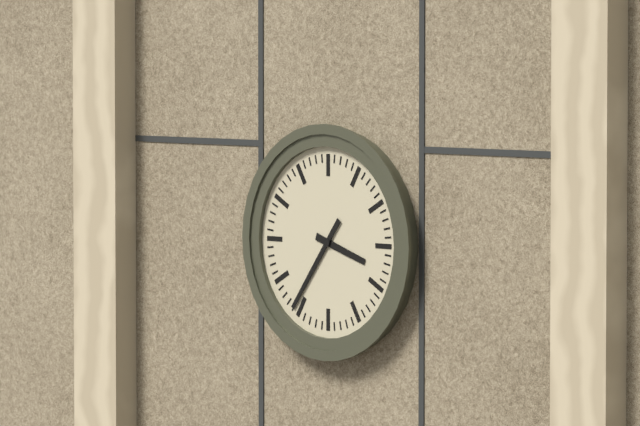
{"hour": 3, "minute": 36}
